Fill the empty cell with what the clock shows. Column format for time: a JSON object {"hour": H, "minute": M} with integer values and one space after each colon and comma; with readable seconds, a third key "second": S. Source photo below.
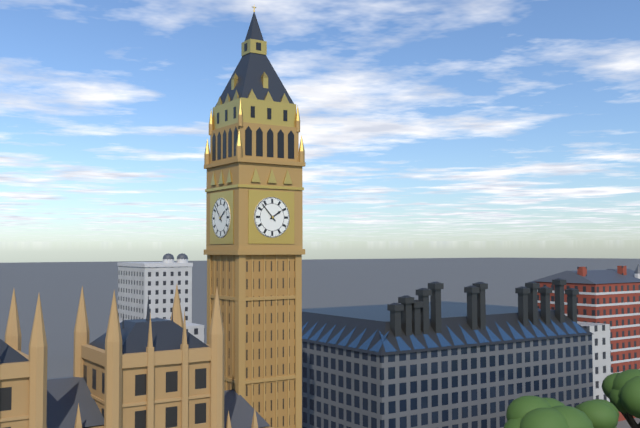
{"hour": 1, "minute": 53}
